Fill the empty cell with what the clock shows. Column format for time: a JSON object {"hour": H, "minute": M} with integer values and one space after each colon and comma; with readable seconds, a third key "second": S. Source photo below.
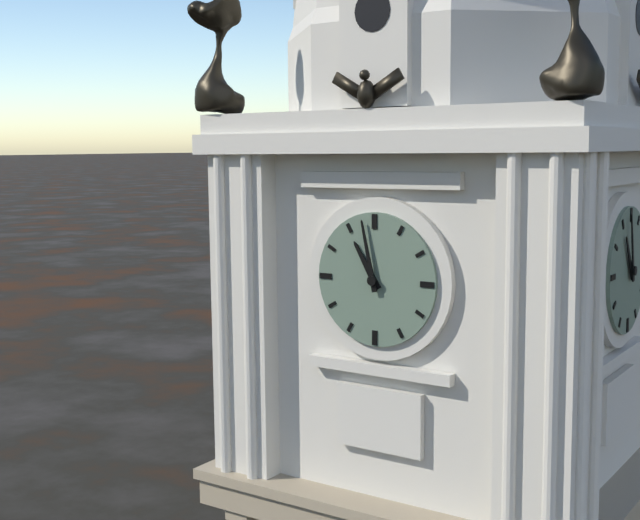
{"hour": 10, "minute": 58}
